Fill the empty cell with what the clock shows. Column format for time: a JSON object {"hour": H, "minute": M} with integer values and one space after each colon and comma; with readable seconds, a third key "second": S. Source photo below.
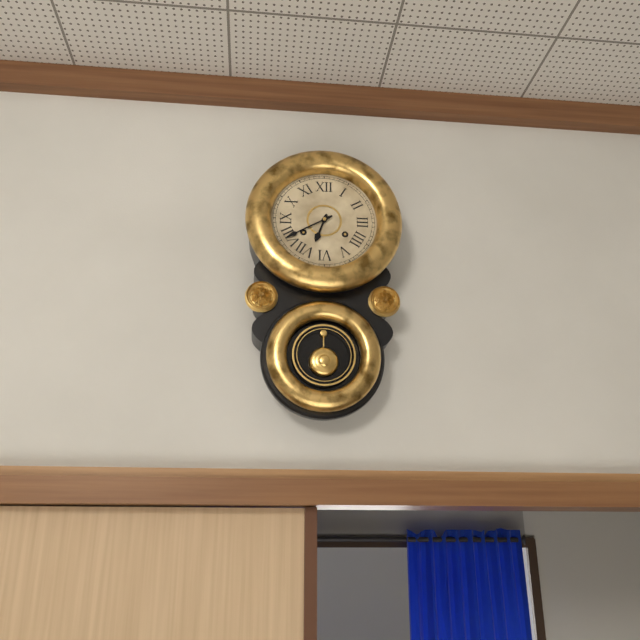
{"hour": 6, "minute": 40}
